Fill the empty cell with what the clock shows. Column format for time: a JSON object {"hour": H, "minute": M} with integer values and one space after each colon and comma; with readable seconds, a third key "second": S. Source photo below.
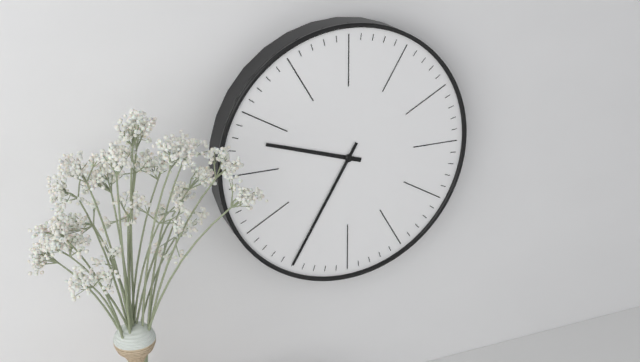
{"hour": 9, "minute": 35}
